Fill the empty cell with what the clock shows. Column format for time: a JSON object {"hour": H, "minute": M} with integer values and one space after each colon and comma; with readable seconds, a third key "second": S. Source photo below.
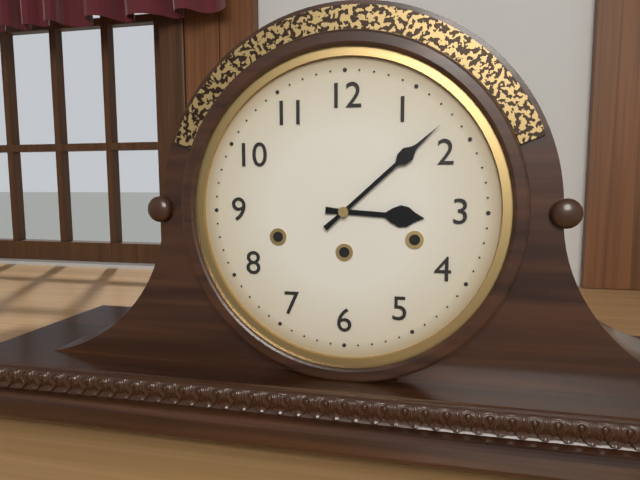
{"hour": 3, "minute": 8}
